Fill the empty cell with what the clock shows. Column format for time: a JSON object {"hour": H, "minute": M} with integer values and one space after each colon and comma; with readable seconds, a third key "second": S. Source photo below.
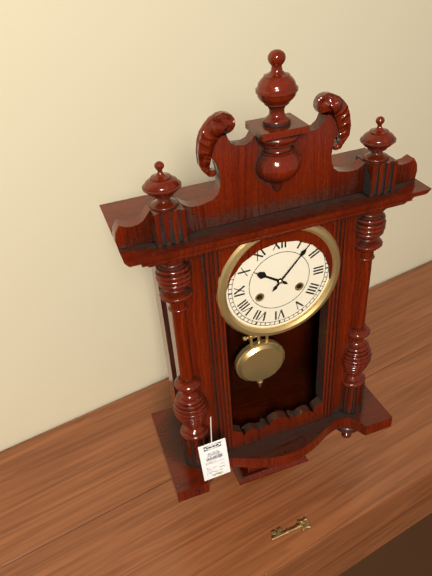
{"hour": 10, "minute": 7}
